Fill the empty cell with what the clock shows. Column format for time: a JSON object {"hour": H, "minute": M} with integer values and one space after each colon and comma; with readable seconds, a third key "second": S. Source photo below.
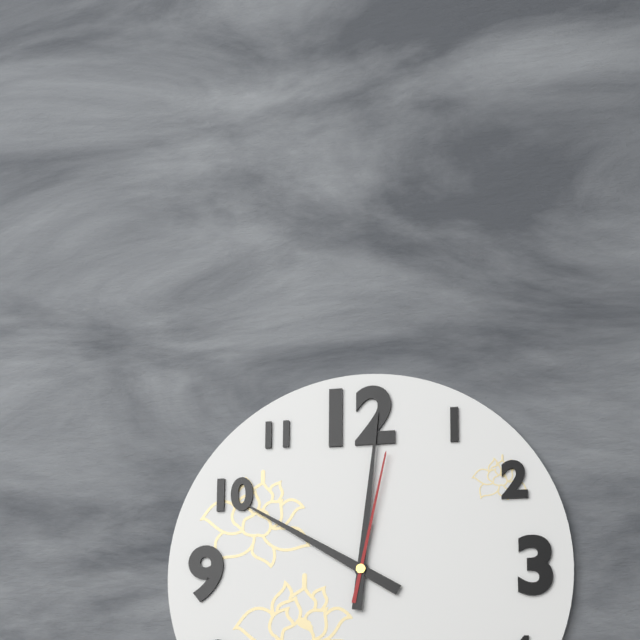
{"hour": 10, "minute": 1, "second": 2}
